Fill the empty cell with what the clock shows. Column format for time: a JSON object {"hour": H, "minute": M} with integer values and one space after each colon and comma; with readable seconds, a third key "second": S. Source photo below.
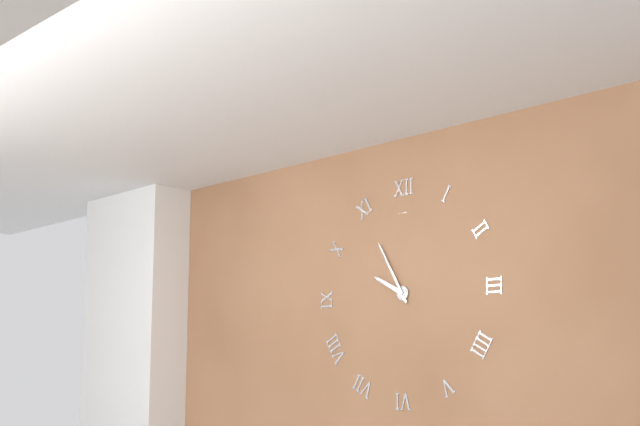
{"hour": 9, "minute": 55}
